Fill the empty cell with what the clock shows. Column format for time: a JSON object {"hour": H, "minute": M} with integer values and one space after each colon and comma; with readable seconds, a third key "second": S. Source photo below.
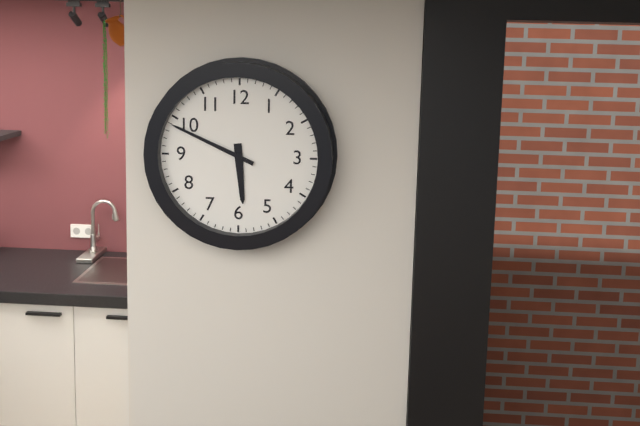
{"hour": 5, "minute": 49}
